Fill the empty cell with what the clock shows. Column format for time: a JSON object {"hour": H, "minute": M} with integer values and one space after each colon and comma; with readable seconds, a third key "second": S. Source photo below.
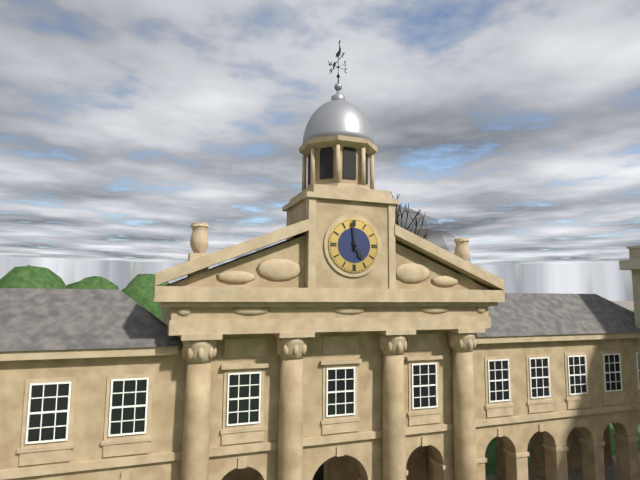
{"hour": 4, "minute": 59}
